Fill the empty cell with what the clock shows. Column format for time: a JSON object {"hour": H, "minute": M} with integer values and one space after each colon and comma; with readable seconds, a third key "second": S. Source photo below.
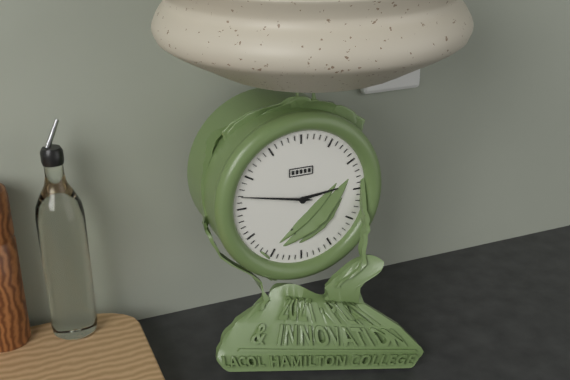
{"hour": 2, "minute": 47}
